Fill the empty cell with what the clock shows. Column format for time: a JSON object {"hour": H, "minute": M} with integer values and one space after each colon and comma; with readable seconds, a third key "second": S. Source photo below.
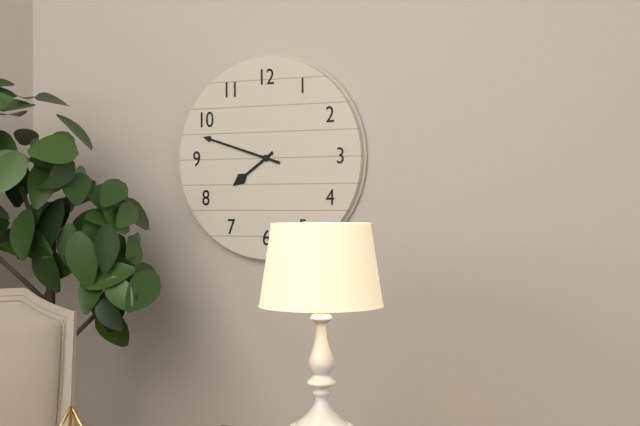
{"hour": 7, "minute": 48}
